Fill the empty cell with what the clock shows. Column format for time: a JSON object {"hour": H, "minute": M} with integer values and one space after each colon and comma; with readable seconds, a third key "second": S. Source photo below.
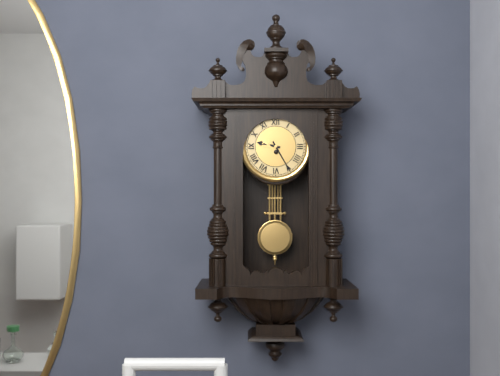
{"hour": 9, "minute": 25}
